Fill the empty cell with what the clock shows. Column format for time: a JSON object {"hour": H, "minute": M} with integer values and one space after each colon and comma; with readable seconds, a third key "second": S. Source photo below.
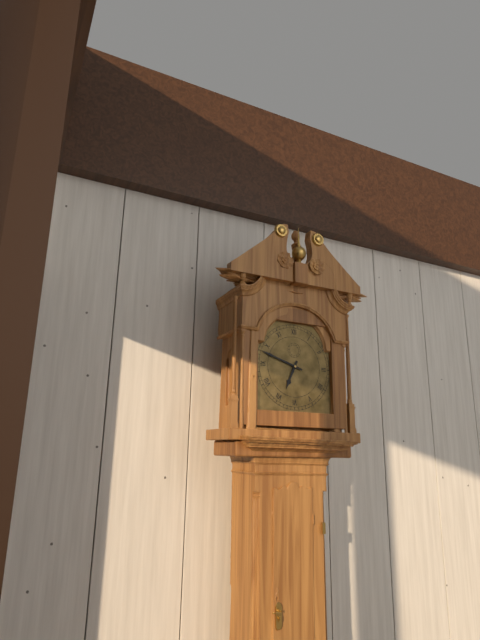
{"hour": 6, "minute": 48}
